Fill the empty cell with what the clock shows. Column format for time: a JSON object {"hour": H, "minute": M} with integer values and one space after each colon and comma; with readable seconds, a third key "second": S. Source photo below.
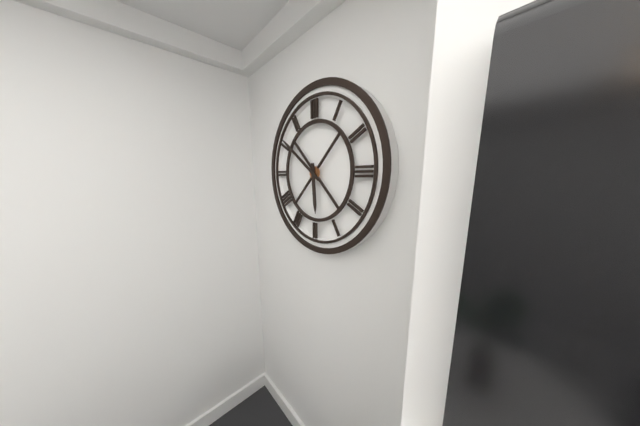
{"hour": 5, "minute": 51}
